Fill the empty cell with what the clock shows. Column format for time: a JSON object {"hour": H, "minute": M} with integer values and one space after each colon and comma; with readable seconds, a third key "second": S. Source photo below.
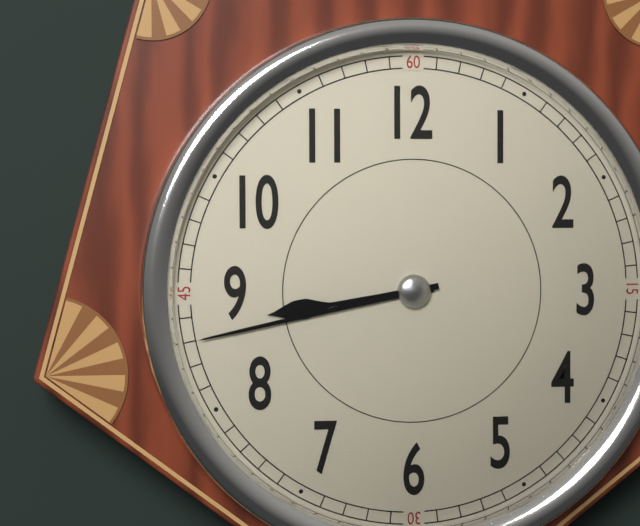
{"hour": 8, "minute": 43}
